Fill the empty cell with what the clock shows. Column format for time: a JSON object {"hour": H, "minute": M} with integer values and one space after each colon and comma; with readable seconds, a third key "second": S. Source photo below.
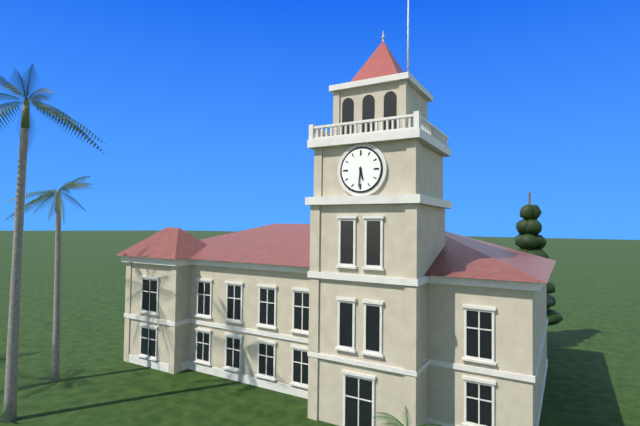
{"hour": 5, "minute": 31}
